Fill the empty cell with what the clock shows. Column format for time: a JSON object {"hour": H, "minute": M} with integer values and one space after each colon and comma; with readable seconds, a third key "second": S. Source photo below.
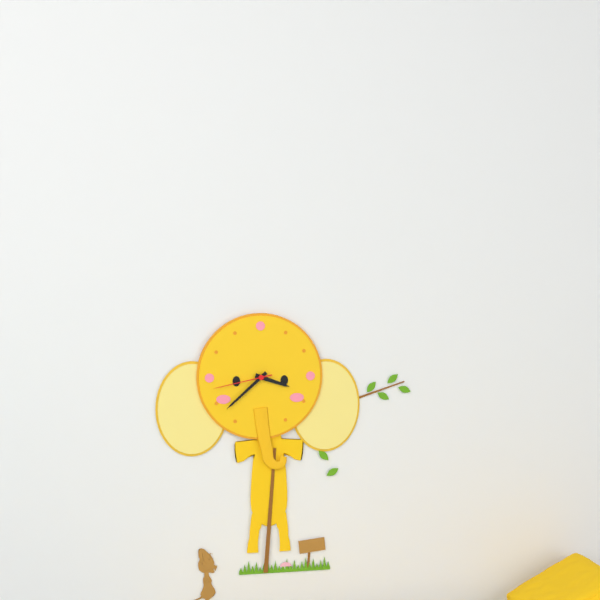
{"hour": 3, "minute": 38, "second": 43}
